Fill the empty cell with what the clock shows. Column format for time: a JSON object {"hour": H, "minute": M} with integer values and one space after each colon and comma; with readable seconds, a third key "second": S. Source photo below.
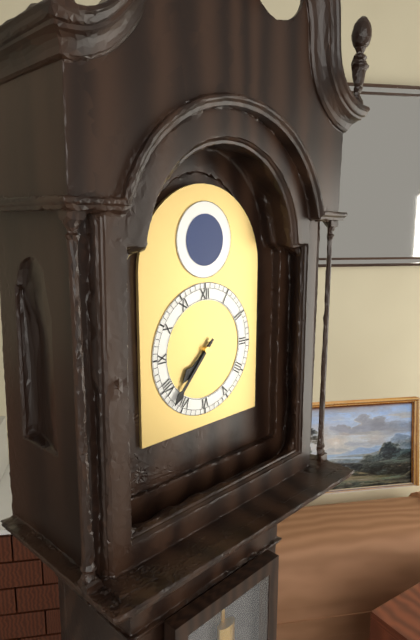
{"hour": 7, "minute": 37}
